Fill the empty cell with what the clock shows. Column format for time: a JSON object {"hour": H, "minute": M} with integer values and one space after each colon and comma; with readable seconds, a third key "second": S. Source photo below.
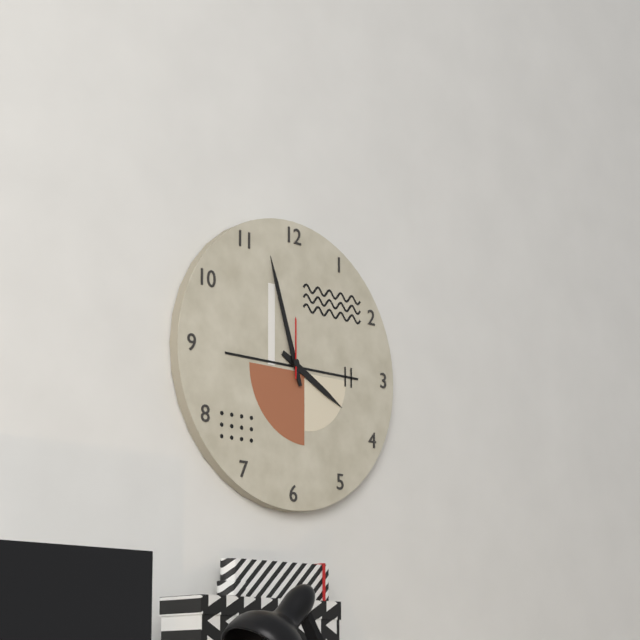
{"hour": 3, "minute": 57, "second": 0}
